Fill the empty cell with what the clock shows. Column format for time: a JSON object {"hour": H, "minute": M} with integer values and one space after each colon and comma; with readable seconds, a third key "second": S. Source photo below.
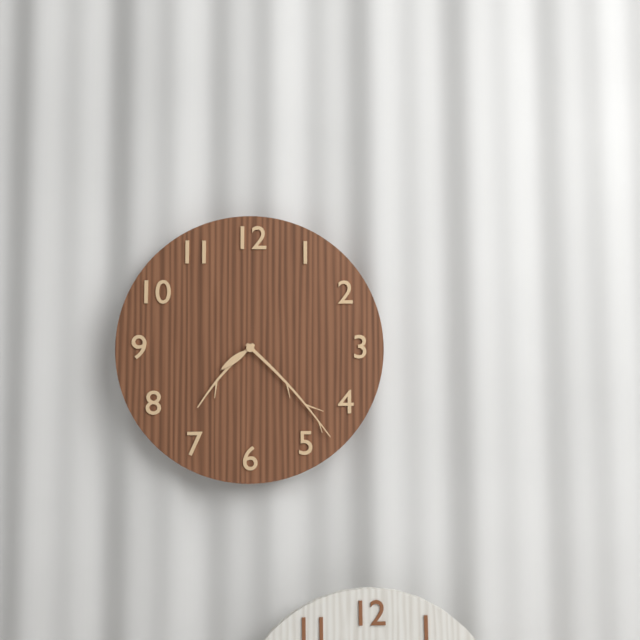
{"hour": 7, "minute": 23}
